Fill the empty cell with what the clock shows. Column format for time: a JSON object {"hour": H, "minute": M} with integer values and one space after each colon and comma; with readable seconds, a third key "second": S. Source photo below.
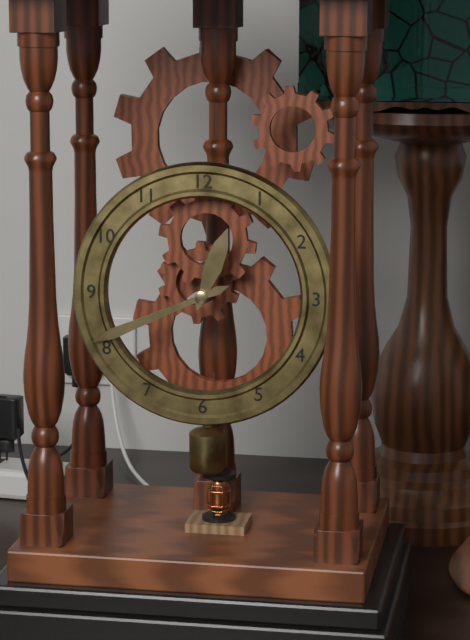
{"hour": 12, "minute": 41}
